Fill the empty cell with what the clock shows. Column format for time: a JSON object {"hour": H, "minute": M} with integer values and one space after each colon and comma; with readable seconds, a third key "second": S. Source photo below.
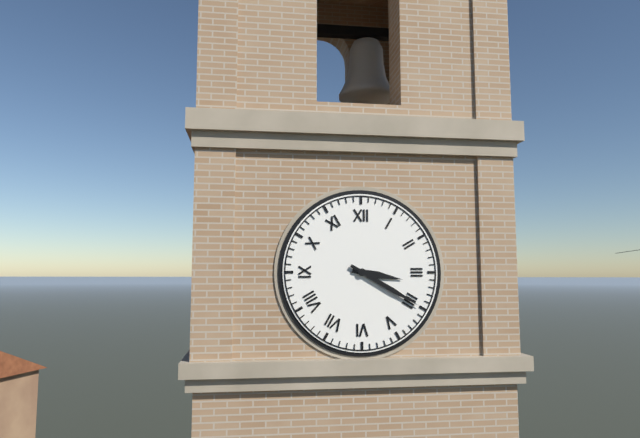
{"hour": 3, "minute": 20}
